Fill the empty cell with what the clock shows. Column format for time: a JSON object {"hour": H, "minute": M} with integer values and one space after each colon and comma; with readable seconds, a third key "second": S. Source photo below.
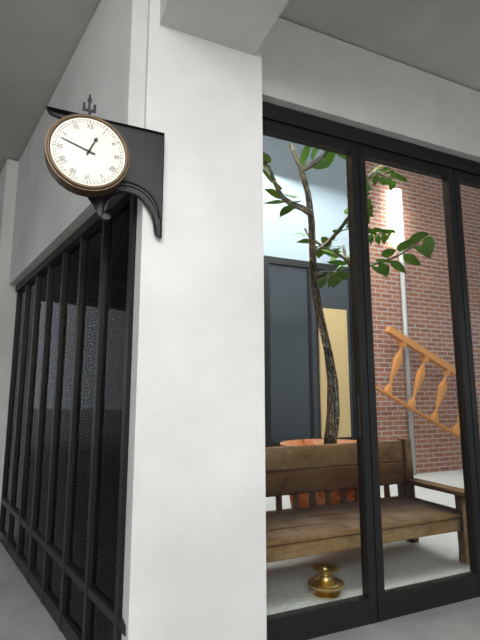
{"hour": 12, "minute": 48}
